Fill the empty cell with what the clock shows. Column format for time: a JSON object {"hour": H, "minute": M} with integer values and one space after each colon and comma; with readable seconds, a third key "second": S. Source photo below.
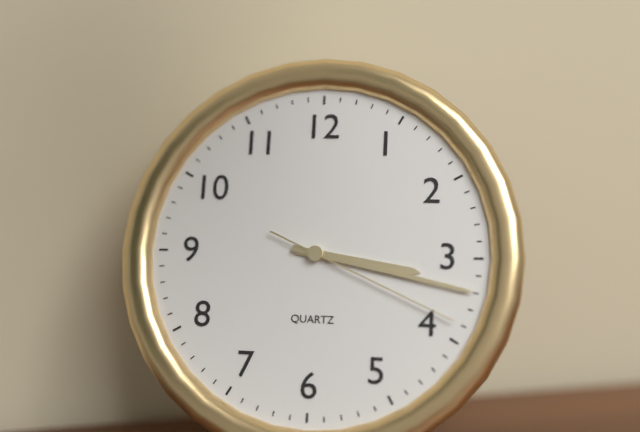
{"hour": 3, "minute": 17, "second": 19}
